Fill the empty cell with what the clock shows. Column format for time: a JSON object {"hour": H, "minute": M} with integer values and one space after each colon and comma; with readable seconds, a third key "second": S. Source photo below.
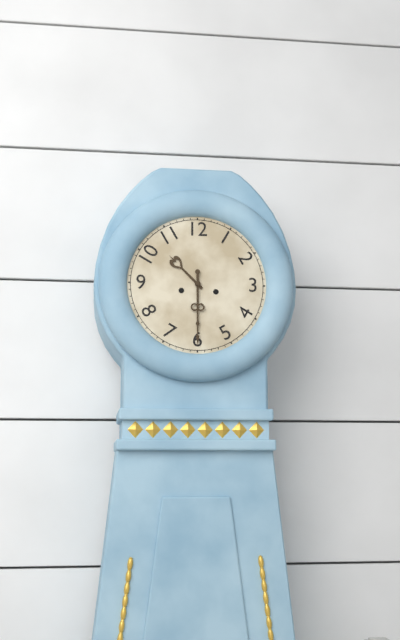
{"hour": 10, "minute": 30}
